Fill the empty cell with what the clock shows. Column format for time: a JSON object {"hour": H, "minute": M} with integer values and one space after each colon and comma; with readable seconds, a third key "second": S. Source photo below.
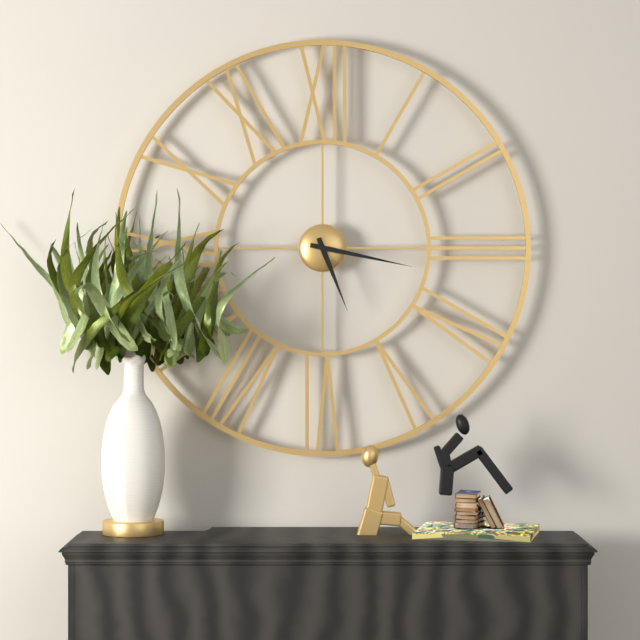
{"hour": 5, "minute": 17}
